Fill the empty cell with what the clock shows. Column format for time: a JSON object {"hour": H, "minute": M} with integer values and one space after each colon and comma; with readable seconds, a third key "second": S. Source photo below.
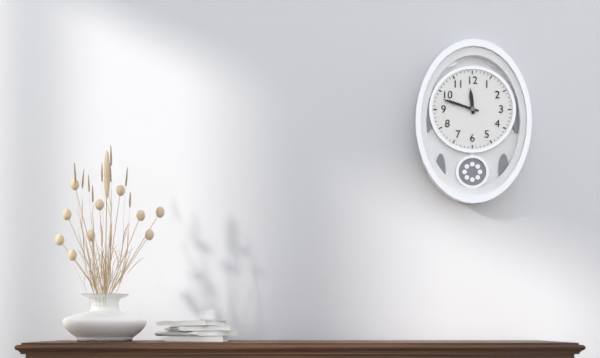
{"hour": 11, "minute": 48}
